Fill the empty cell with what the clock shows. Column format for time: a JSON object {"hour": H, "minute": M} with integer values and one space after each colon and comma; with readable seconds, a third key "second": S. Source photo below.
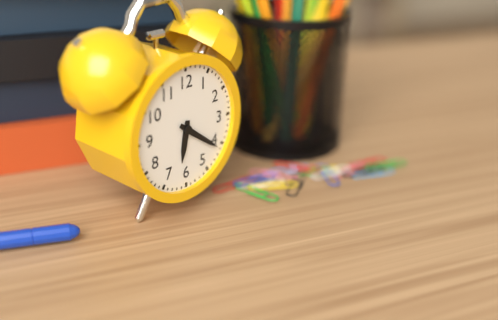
{"hour": 6, "minute": 21}
